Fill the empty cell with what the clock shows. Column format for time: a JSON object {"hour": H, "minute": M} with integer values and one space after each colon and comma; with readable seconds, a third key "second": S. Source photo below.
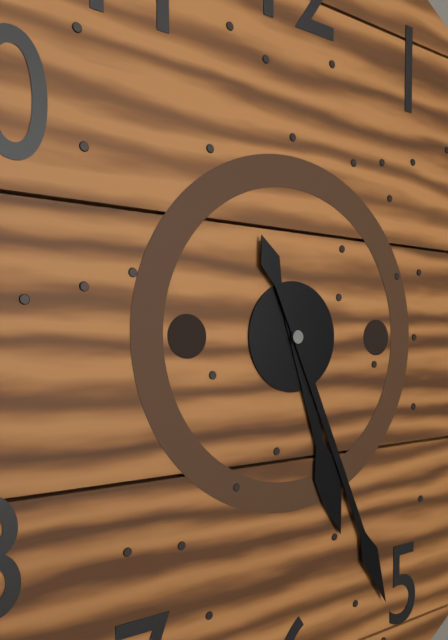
{"hour": 5, "minute": 26}
